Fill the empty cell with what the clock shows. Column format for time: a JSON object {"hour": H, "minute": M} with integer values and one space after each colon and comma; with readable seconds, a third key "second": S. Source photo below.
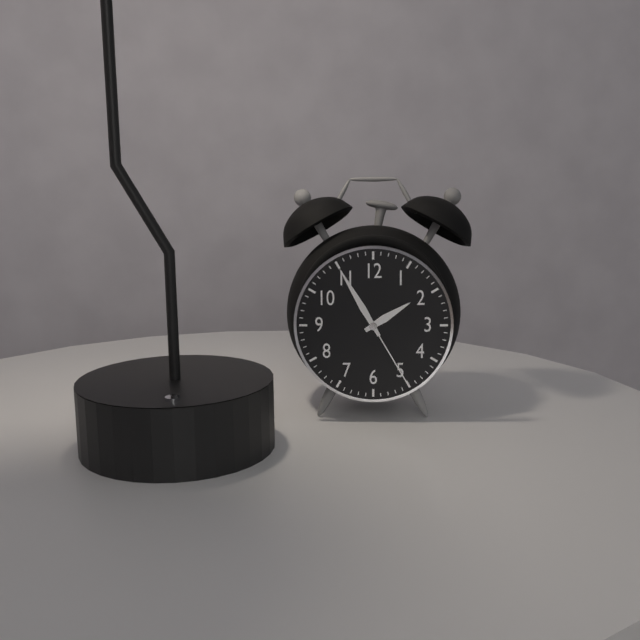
{"hour": 1, "minute": 55, "second": 25}
